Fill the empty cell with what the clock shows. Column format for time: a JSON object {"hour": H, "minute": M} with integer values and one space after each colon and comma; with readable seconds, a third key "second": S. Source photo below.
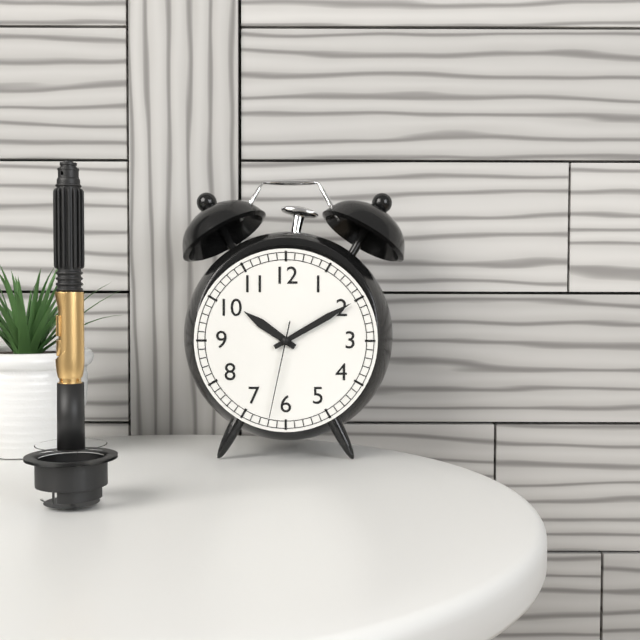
{"hour": 10, "minute": 10, "second": 32}
